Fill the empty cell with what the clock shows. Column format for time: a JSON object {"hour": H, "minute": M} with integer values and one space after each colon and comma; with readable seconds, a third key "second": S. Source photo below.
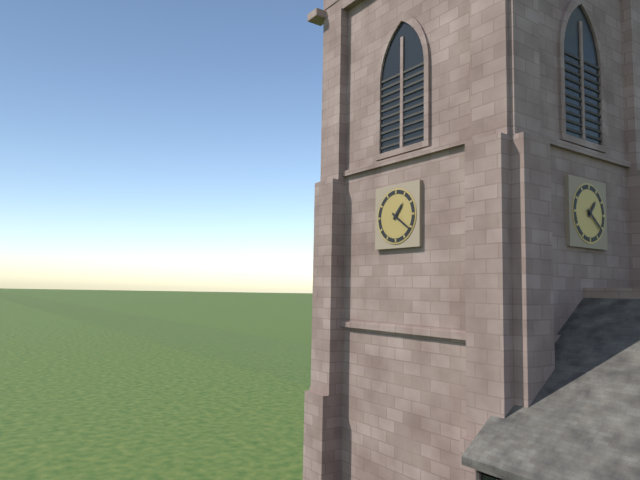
{"hour": 1, "minute": 21}
